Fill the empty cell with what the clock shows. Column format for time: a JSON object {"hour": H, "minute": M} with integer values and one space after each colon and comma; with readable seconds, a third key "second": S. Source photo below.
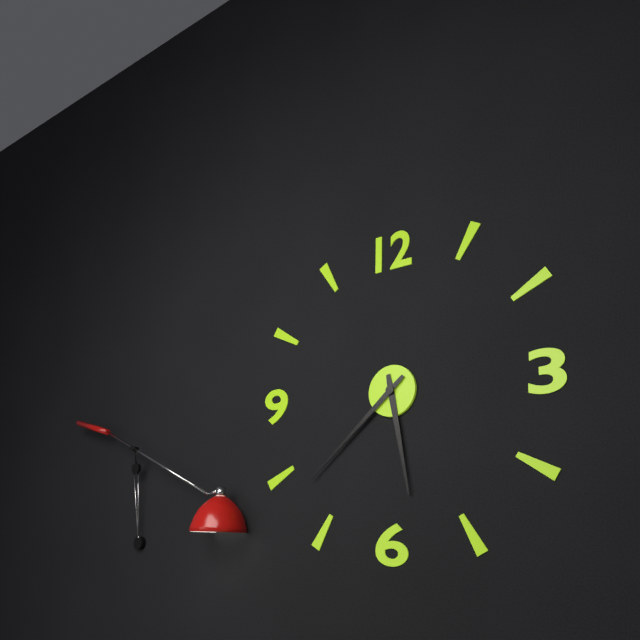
{"hour": 5, "minute": 38}
